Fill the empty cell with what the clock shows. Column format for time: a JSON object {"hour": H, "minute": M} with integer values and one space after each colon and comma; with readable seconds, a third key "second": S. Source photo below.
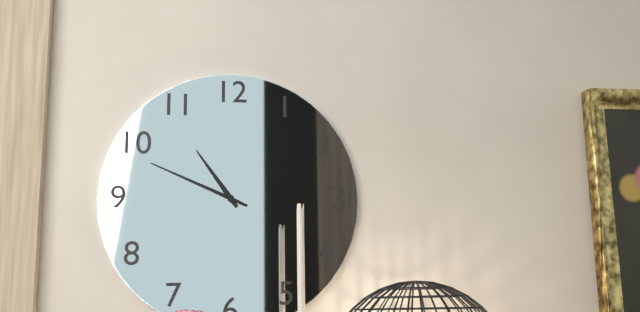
{"hour": 10, "minute": 49}
